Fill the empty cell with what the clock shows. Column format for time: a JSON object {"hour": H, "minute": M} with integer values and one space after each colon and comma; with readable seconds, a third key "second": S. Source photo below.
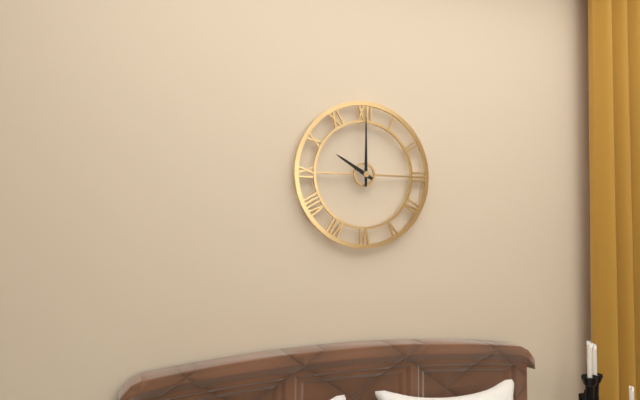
{"hour": 10, "minute": 0}
